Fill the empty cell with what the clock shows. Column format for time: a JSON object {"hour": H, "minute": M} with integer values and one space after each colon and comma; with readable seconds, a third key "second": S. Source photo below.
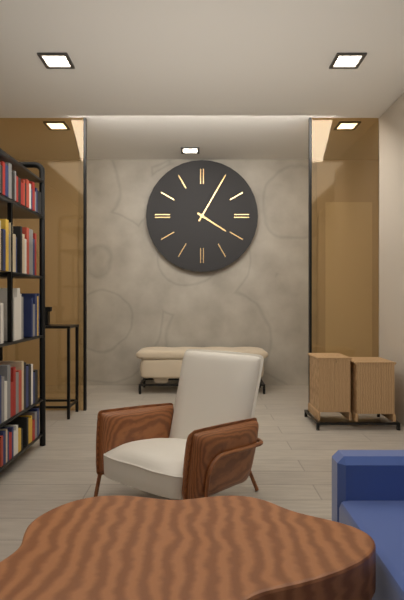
{"hour": 4, "minute": 5}
